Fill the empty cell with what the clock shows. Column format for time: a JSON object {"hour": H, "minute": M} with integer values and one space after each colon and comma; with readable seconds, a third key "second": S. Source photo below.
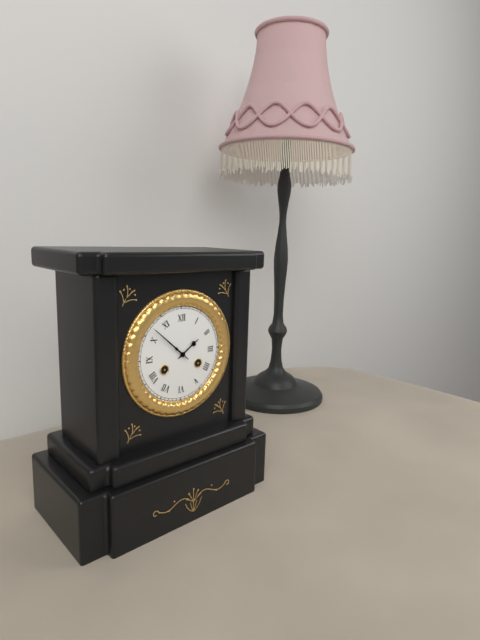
{"hour": 1, "minute": 52}
